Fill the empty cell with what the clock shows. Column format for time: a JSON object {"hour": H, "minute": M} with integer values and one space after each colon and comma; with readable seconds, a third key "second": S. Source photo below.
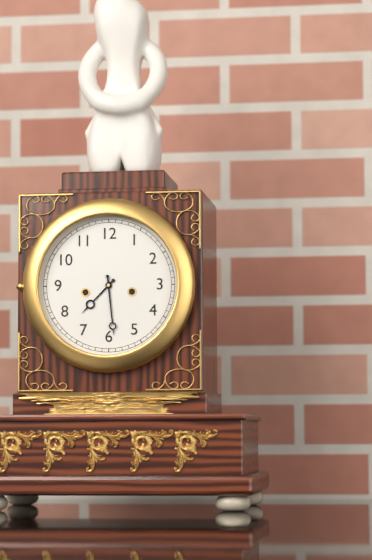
{"hour": 7, "minute": 29}
